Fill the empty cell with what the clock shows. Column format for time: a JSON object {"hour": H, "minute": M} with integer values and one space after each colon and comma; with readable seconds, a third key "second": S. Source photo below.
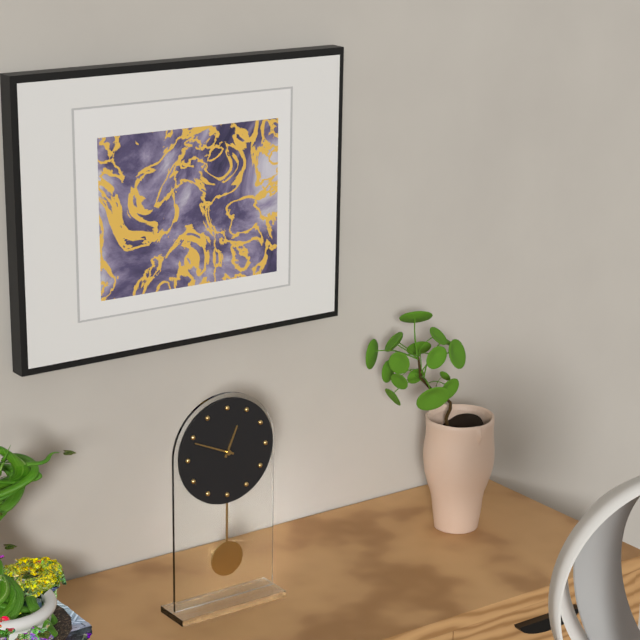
{"hour": 12, "minute": 49}
